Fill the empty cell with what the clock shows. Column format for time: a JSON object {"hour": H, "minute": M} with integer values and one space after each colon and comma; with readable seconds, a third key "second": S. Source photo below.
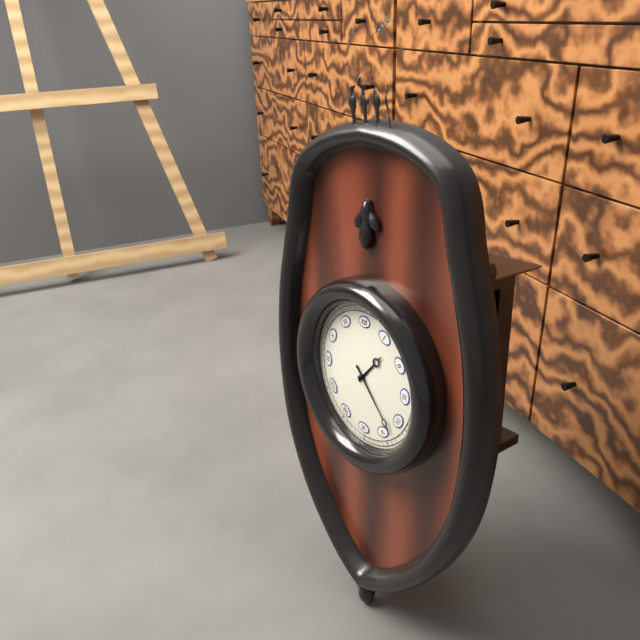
{"hour": 1, "minute": 23}
